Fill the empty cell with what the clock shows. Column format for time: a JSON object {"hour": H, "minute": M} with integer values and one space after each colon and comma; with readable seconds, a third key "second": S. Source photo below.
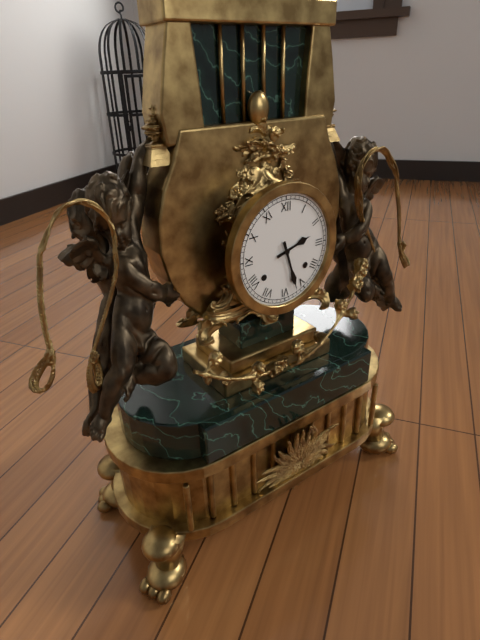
{"hour": 2, "minute": 27}
